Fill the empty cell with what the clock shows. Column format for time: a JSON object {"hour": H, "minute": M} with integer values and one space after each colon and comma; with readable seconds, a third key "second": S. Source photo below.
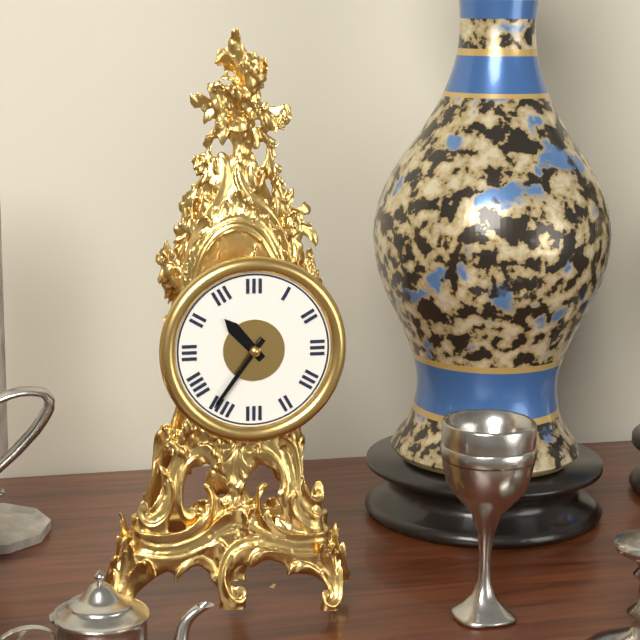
{"hour": 10, "minute": 36}
